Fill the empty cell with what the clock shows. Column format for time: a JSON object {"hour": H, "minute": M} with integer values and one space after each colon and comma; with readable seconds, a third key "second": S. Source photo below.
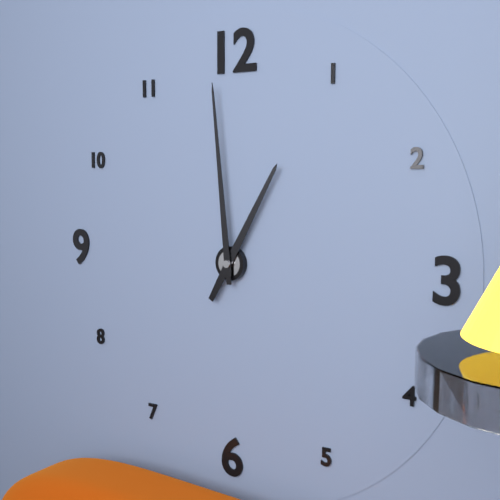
{"hour": 12, "minute": 59}
